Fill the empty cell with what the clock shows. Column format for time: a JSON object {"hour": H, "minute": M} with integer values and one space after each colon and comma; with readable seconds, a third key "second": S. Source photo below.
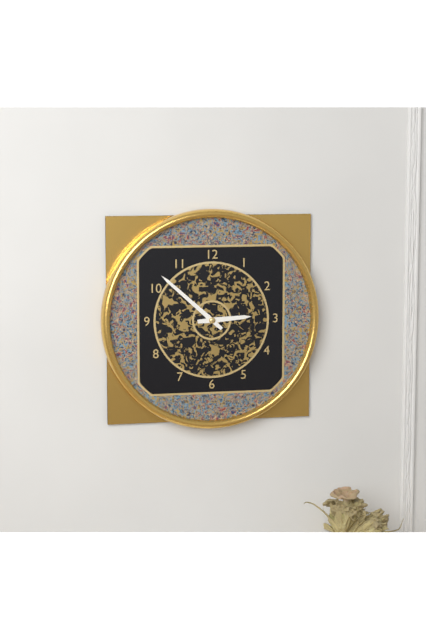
{"hour": 2, "minute": 52}
